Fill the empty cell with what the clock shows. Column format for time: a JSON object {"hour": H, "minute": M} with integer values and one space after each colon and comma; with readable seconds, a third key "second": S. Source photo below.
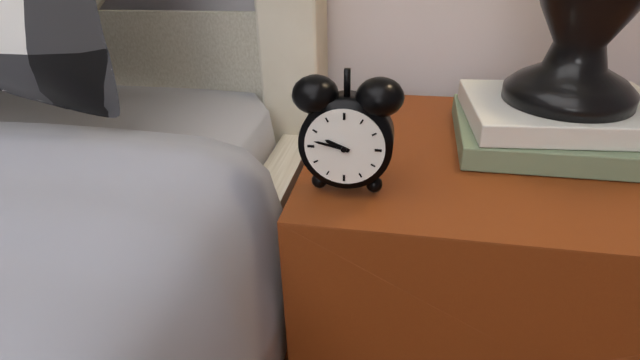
{"hour": 9, "minute": 47}
